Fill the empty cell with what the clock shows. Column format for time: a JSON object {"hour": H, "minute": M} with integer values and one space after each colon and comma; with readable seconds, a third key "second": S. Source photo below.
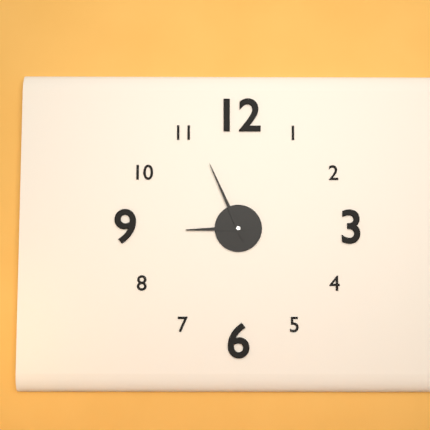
{"hour": 8, "minute": 56}
